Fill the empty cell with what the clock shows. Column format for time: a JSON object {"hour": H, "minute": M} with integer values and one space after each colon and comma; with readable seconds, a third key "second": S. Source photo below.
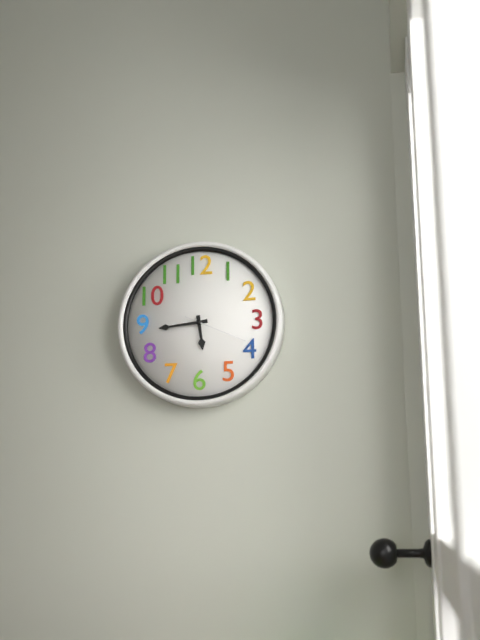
{"hour": 5, "minute": 44, "second": 19}
